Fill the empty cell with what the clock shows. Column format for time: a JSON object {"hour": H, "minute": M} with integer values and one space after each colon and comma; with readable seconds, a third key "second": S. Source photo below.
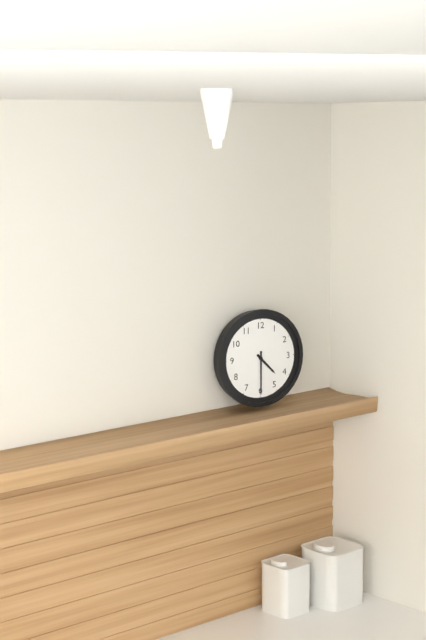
{"hour": 4, "minute": 30}
